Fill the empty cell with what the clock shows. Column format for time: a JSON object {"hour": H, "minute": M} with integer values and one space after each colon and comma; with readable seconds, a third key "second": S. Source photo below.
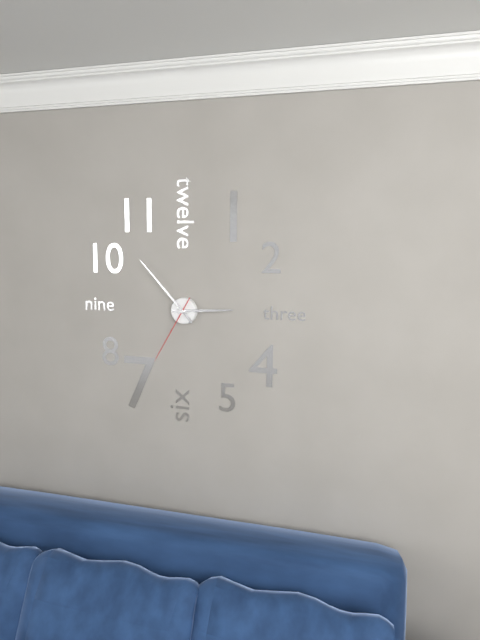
{"hour": 2, "minute": 53, "second": 35}
